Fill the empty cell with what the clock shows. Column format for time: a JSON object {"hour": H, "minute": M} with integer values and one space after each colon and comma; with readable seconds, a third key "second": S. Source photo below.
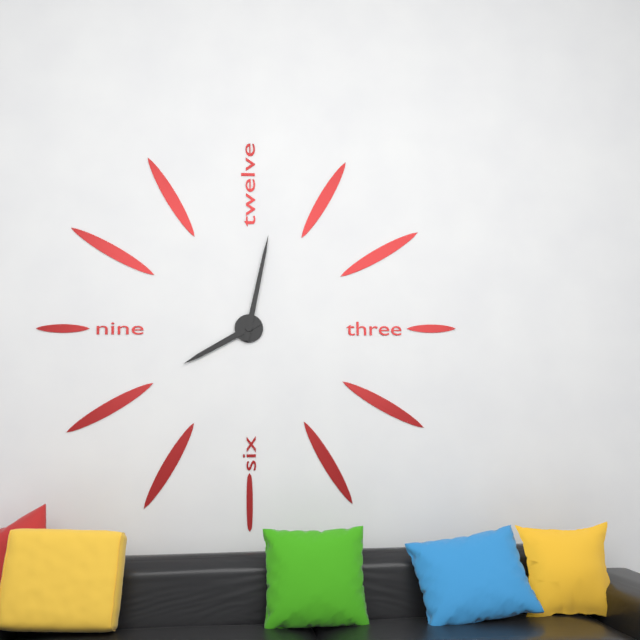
{"hour": 8, "minute": 2}
